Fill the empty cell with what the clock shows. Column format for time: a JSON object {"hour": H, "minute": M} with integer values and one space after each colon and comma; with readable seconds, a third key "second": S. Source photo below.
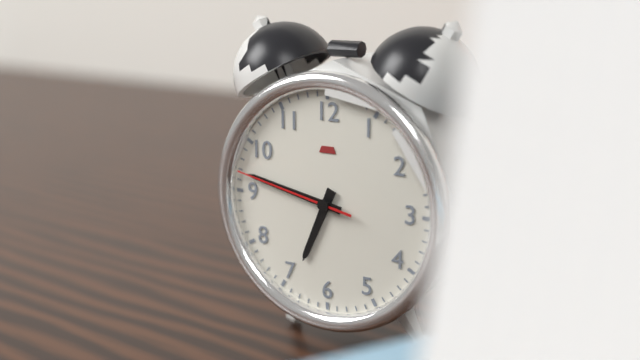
{"hour": 6, "minute": 47, "second": 47}
